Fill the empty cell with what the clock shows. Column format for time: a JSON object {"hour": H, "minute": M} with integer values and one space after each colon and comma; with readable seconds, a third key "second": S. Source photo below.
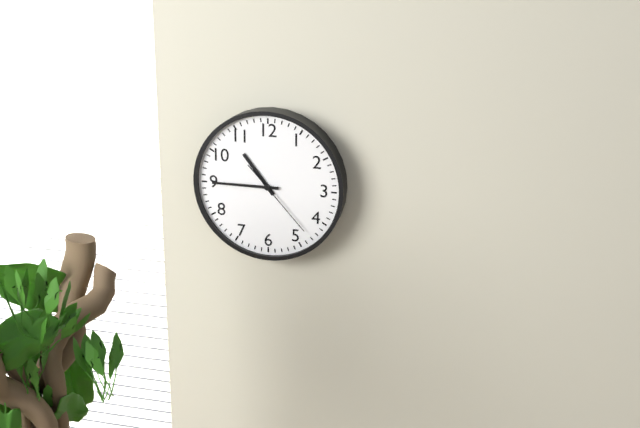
{"hour": 10, "minute": 45, "second": 23}
